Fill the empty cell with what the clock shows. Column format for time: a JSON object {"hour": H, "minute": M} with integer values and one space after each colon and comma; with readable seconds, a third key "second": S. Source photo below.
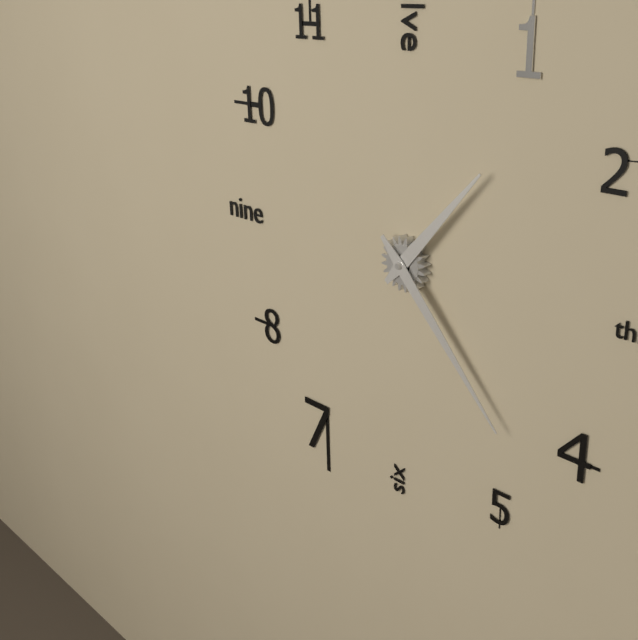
{"hour": 1, "minute": 23}
